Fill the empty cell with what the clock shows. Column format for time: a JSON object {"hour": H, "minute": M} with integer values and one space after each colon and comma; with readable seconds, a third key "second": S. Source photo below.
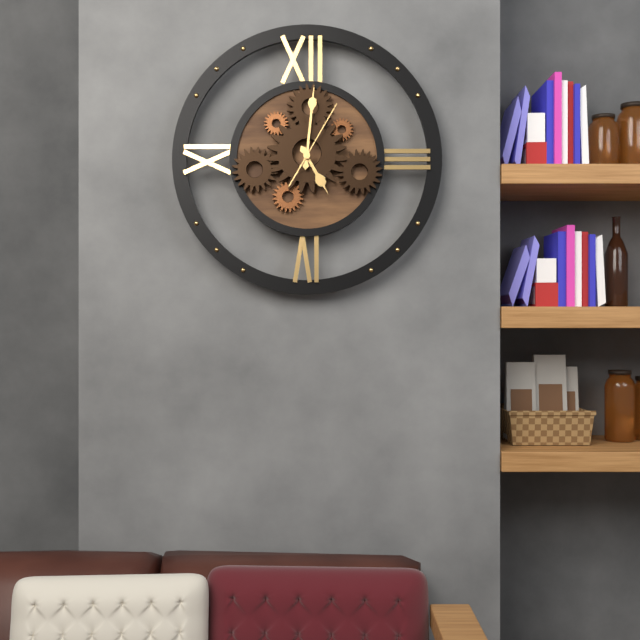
{"hour": 5, "minute": 1, "second": 5}
